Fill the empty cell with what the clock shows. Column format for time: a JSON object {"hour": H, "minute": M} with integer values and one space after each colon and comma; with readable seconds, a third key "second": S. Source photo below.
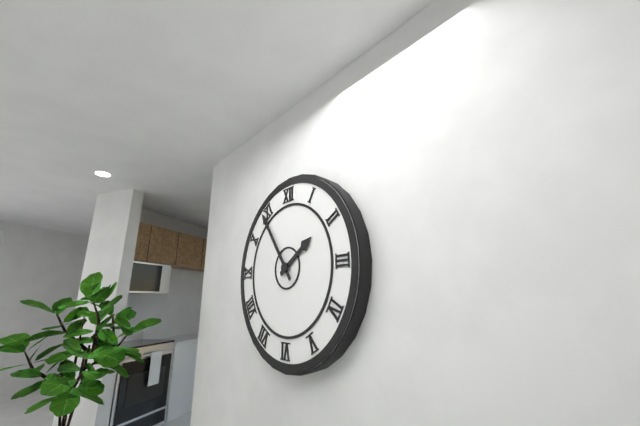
{"hour": 1, "minute": 54}
